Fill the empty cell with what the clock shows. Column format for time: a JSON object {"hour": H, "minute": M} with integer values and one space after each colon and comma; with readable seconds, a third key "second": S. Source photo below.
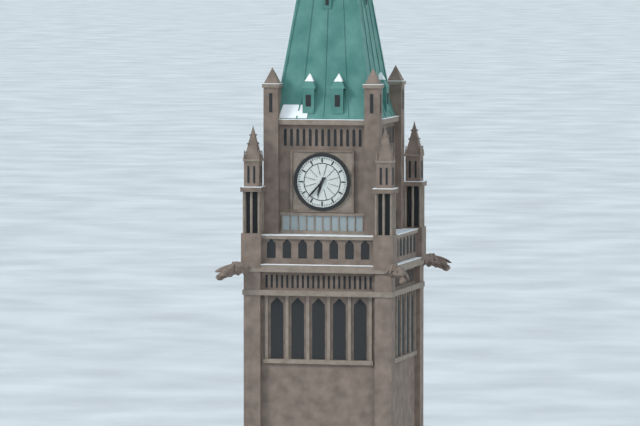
{"hour": 6, "minute": 37}
